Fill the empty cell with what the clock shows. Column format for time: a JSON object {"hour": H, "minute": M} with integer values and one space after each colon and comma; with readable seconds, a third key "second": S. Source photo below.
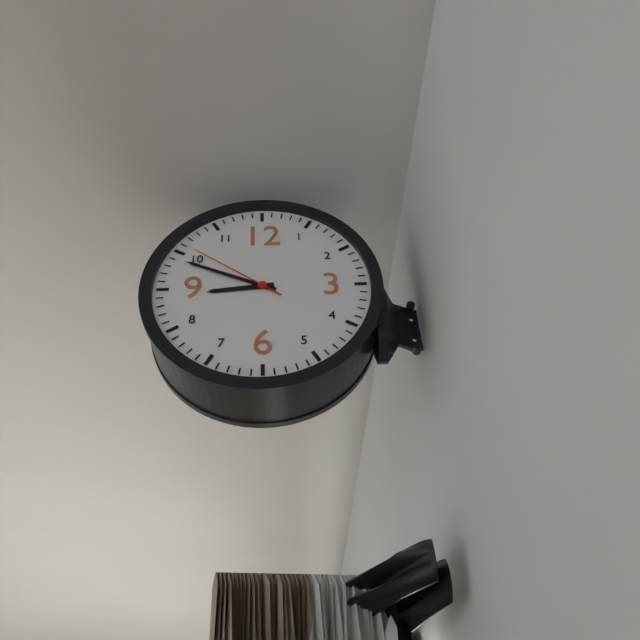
{"hour": 8, "minute": 49, "second": 51}
